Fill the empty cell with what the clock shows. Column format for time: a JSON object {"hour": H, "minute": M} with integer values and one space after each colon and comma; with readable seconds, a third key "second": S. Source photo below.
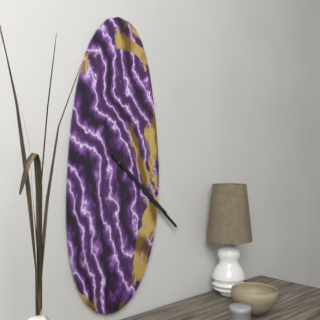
{"hour": 4, "minute": 22}
